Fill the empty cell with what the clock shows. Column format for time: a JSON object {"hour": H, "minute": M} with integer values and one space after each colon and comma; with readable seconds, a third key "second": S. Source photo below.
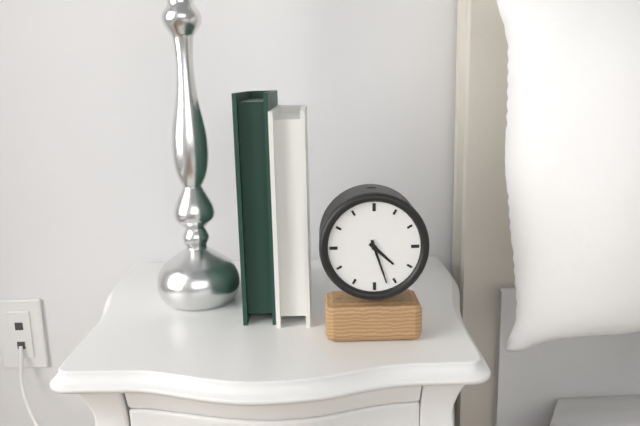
{"hour": 4, "minute": 27}
